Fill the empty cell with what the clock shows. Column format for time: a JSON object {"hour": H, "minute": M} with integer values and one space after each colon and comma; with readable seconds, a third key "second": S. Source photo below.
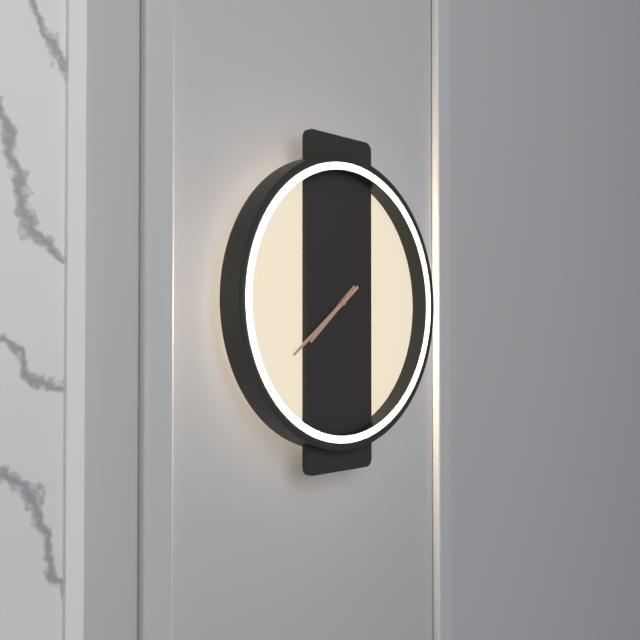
{"hour": 7, "minute": 39}
